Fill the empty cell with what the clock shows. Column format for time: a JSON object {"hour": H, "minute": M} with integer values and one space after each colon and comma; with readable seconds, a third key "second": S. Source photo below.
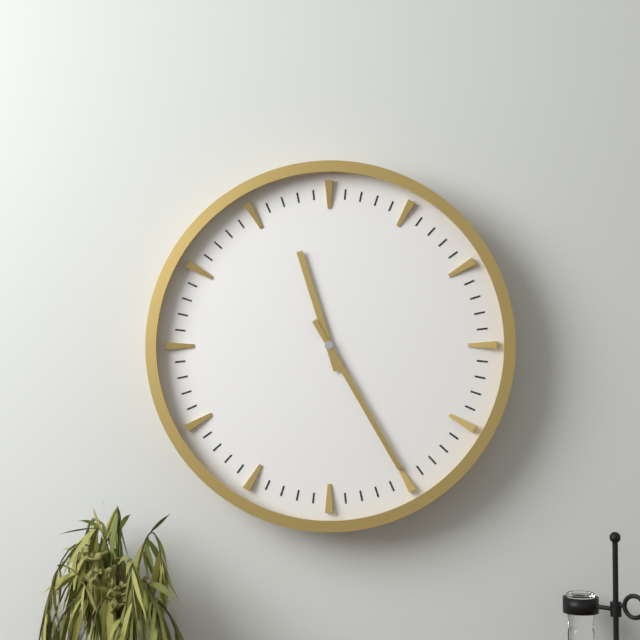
{"hour": 11, "minute": 25}
